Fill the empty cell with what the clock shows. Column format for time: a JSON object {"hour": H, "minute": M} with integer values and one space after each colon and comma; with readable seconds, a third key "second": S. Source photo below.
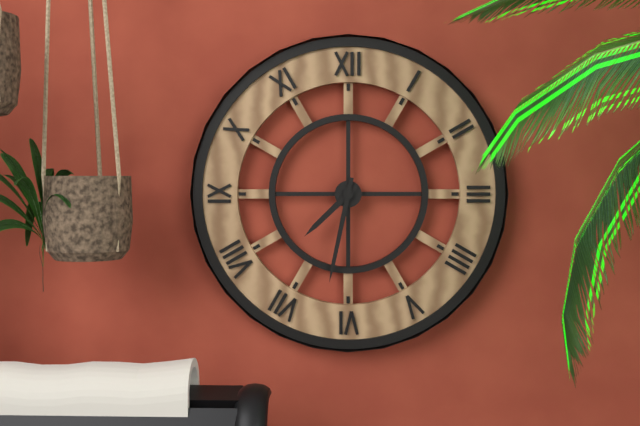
{"hour": 7, "minute": 32}
